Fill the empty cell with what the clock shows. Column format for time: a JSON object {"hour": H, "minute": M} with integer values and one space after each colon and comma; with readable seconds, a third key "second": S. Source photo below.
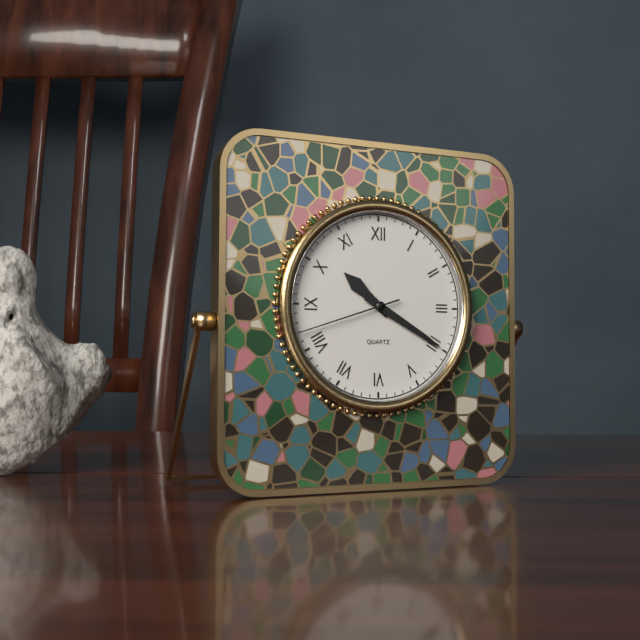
{"hour": 10, "minute": 20, "second": 42}
